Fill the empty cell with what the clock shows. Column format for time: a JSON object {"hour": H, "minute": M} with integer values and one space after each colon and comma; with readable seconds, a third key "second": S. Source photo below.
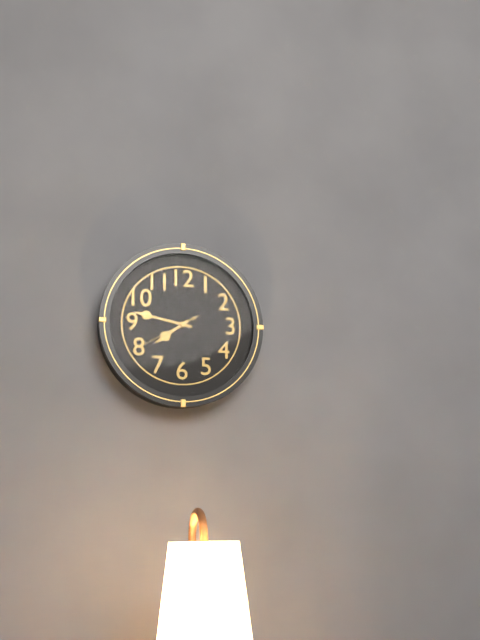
{"hour": 7, "minute": 47, "second": 40}
